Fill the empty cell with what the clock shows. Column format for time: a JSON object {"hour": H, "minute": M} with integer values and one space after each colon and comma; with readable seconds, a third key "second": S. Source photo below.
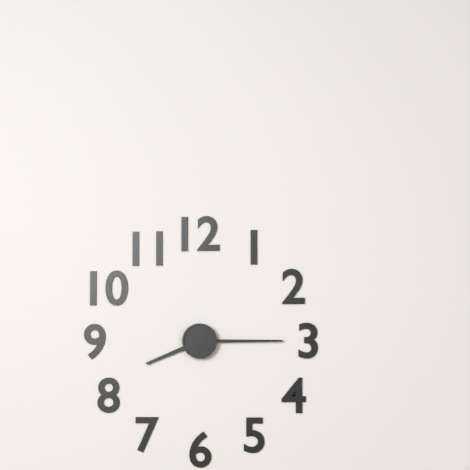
{"hour": 8, "minute": 15}
